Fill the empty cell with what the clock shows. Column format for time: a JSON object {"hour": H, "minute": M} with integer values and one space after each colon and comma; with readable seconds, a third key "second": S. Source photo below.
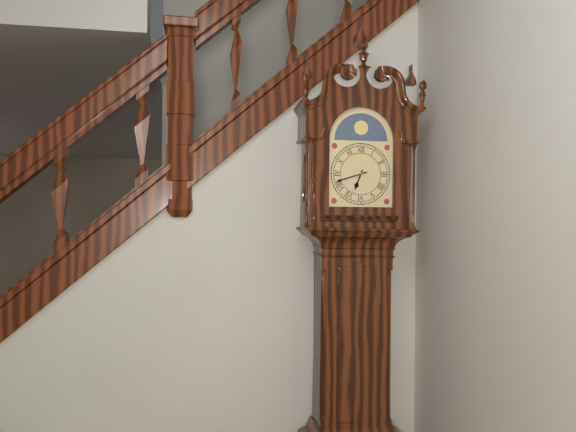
{"hour": 6, "minute": 42}
